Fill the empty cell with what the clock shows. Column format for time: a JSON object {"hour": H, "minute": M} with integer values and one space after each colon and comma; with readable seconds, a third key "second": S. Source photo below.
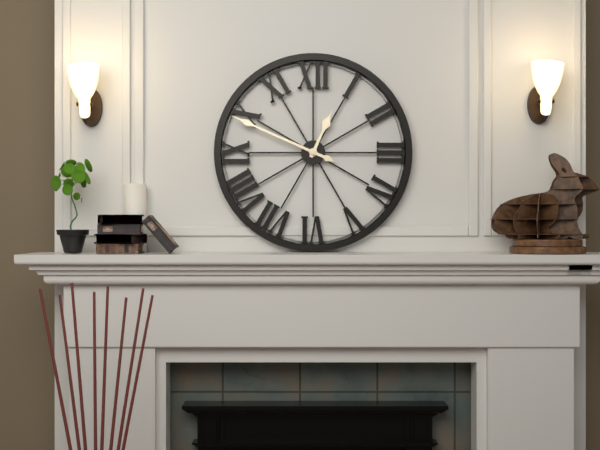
{"hour": 12, "minute": 49}
